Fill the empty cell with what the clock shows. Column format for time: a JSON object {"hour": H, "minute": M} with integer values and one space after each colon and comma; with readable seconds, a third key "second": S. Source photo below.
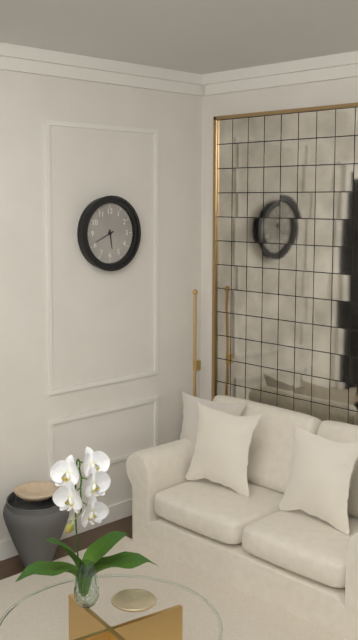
{"hour": 5, "minute": 41}
